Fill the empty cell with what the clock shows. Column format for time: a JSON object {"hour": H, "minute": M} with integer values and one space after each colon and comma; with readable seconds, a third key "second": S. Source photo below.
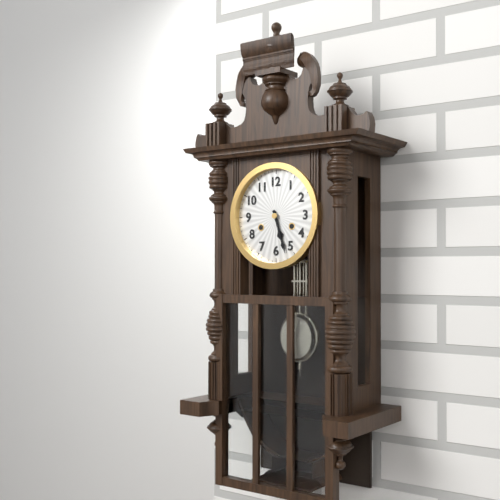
{"hour": 5, "minute": 27}
